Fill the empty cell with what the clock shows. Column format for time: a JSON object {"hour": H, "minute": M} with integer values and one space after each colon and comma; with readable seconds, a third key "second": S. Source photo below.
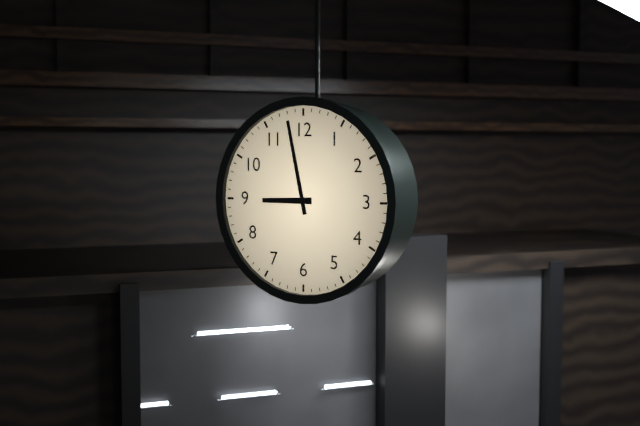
{"hour": 8, "minute": 58}
